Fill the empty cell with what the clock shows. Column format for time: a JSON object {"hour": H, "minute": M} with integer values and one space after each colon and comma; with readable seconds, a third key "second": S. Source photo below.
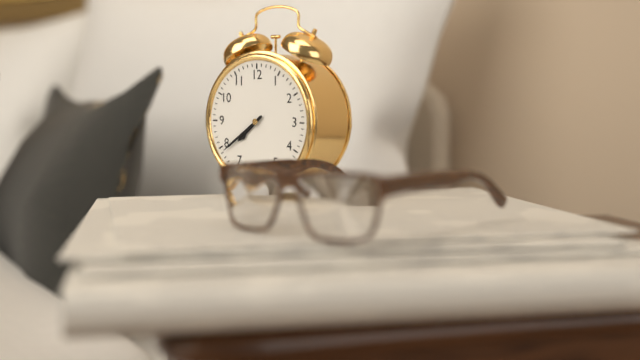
{"hour": 7, "minute": 39}
